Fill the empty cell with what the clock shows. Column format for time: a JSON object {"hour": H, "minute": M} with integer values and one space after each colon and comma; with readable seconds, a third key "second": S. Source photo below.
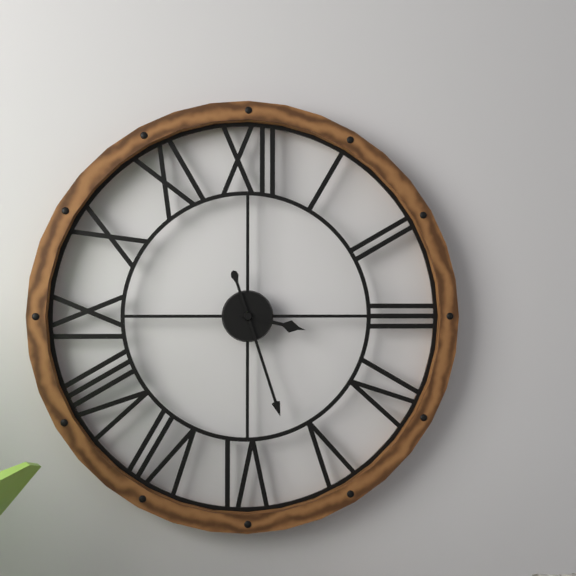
{"hour": 3, "minute": 27}
